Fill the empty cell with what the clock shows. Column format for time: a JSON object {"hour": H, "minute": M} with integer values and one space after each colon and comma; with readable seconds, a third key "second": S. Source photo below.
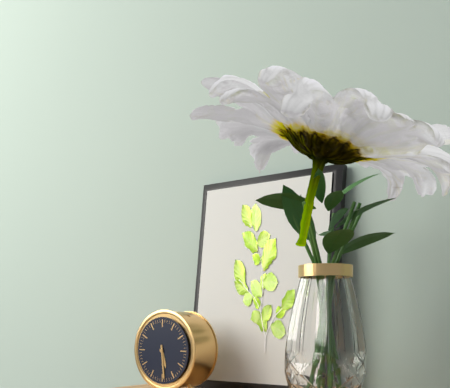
{"hour": 5, "minute": 29}
